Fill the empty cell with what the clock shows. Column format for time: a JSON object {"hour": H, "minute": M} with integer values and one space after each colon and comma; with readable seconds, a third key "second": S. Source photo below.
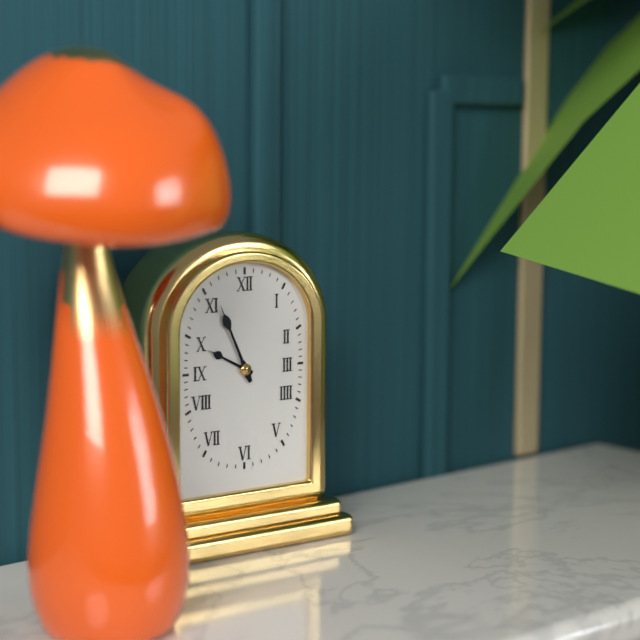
{"hour": 9, "minute": 56}
